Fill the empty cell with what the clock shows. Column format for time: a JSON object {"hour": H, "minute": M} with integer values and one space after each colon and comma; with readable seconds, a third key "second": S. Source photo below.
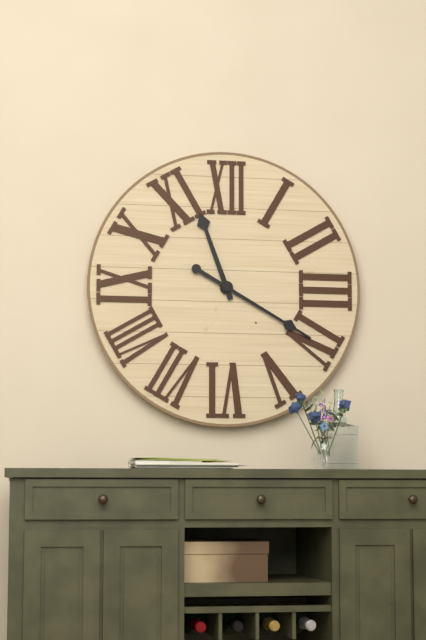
{"hour": 11, "minute": 20}
